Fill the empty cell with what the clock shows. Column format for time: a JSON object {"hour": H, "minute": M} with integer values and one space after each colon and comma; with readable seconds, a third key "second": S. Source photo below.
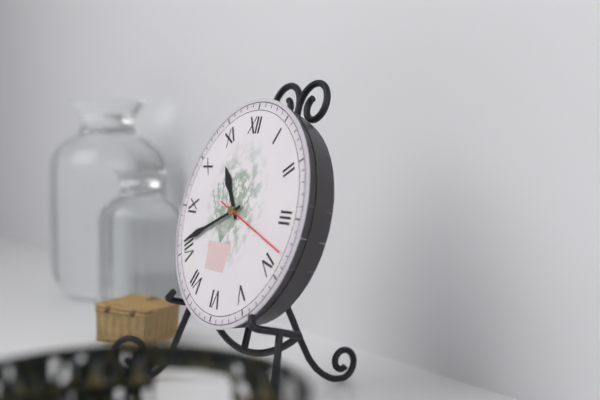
{"hour": 10, "minute": 41, "second": 18}
